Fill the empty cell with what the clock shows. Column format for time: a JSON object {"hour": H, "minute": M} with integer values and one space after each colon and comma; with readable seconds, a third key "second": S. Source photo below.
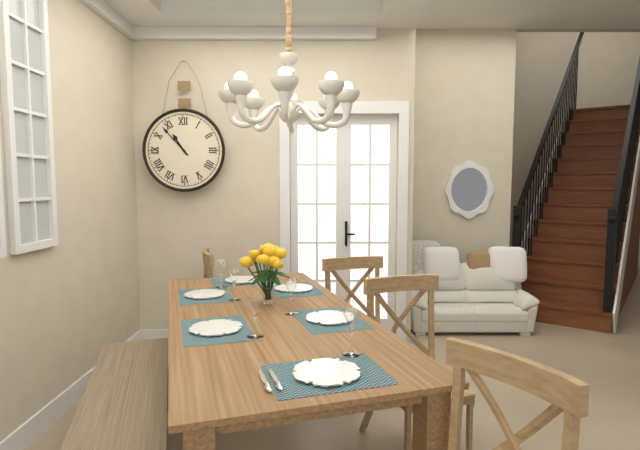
{"hour": 10, "minute": 53}
